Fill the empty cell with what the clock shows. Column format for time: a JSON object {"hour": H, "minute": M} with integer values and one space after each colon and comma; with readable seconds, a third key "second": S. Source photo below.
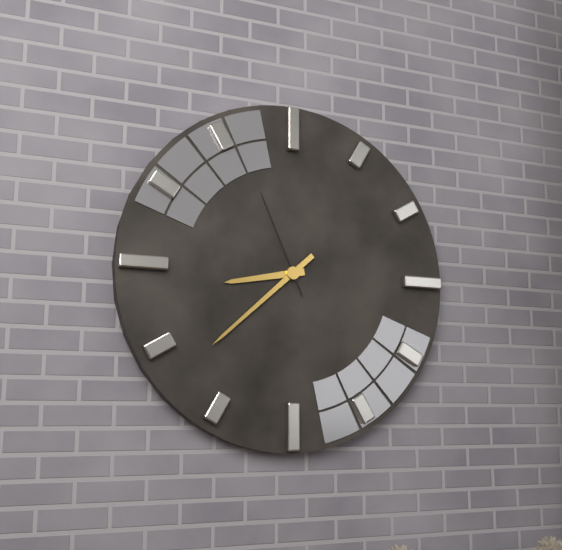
{"hour": 8, "minute": 38, "second": 56}
